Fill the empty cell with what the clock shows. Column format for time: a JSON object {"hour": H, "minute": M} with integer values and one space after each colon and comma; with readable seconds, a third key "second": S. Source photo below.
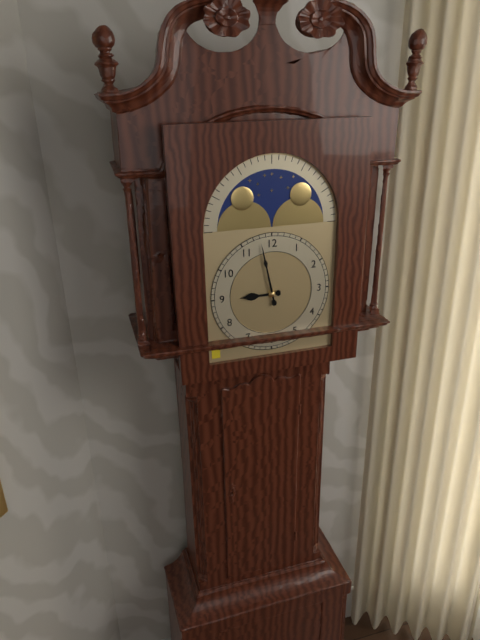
{"hour": 8, "minute": 58}
